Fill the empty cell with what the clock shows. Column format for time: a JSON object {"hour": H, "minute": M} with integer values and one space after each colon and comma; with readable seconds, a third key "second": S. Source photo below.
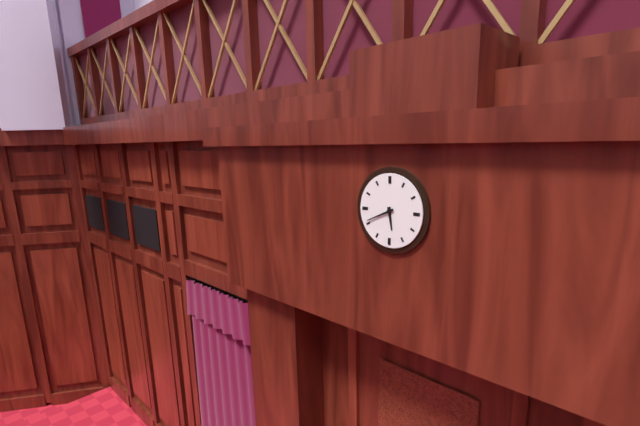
{"hour": 5, "minute": 41}
